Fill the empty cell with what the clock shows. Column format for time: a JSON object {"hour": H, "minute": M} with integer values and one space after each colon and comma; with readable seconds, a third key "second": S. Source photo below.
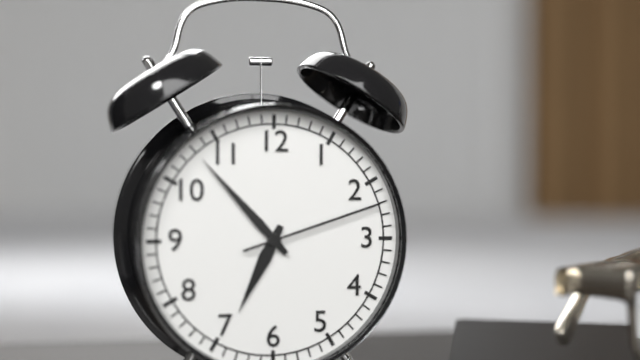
{"hour": 6, "minute": 53, "second": 12}
